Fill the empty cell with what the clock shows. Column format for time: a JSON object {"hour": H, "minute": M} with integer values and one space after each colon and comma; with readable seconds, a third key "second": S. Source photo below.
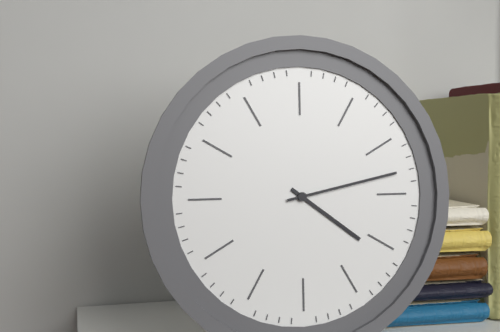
{"hour": 4, "minute": 13}
